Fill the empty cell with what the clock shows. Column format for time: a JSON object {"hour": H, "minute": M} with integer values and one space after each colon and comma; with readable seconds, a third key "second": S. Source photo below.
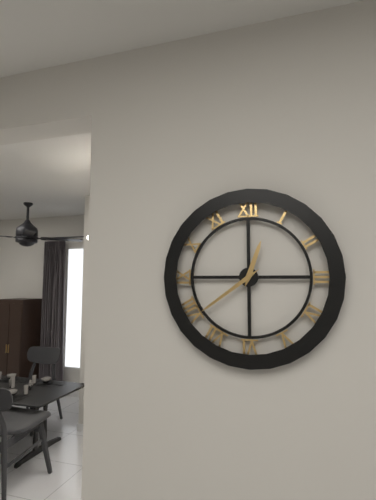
{"hour": 12, "minute": 39}
